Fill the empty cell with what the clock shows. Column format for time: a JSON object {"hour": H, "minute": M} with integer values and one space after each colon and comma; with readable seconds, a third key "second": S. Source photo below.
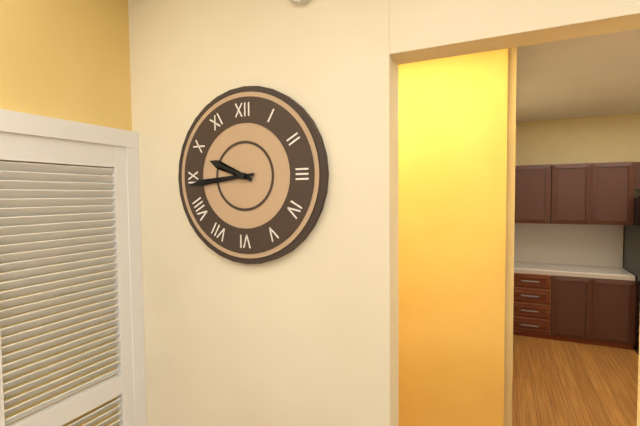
{"hour": 9, "minute": 44}
